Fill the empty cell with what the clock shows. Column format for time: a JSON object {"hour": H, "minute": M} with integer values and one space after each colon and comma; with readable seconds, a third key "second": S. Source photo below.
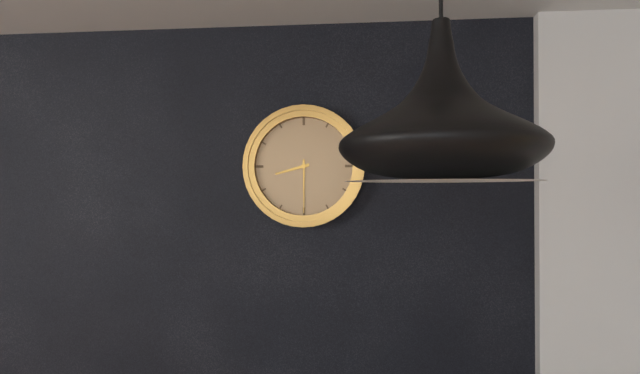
{"hour": 8, "minute": 30}
